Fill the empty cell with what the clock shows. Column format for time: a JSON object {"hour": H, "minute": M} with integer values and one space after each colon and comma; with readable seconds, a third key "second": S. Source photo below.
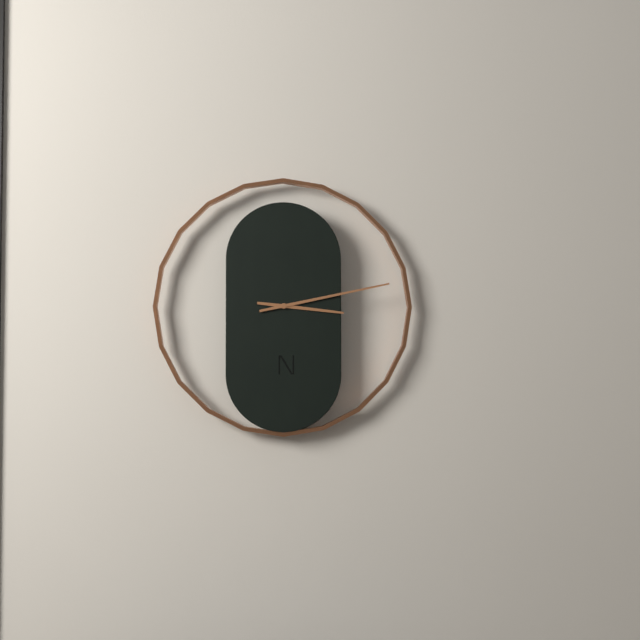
{"hour": 3, "minute": 13}
